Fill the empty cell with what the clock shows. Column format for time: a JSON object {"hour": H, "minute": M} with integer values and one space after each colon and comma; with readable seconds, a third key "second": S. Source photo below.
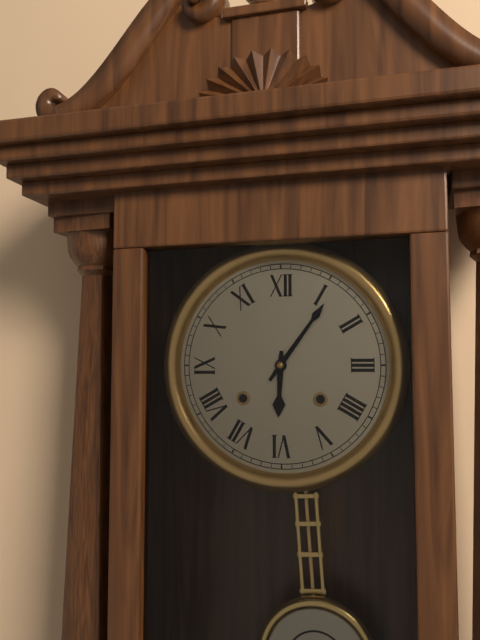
{"hour": 6, "minute": 6}
